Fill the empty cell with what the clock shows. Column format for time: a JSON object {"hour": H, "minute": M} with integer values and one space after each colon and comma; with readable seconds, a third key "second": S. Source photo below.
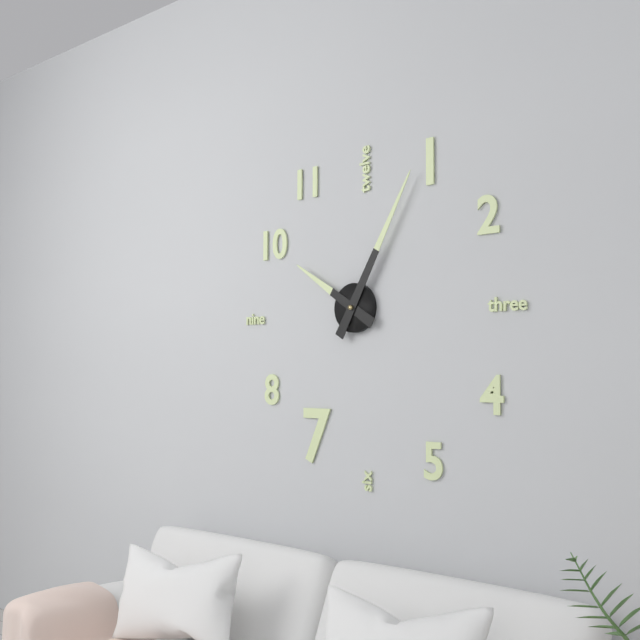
{"hour": 10, "minute": 5}
